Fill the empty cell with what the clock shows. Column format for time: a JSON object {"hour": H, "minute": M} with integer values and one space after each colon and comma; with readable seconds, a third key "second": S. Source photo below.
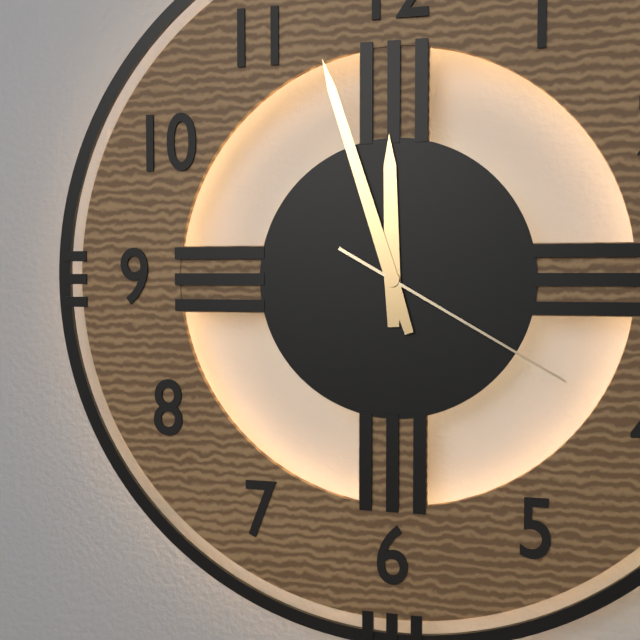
{"hour": 11, "minute": 57, "second": 20}
